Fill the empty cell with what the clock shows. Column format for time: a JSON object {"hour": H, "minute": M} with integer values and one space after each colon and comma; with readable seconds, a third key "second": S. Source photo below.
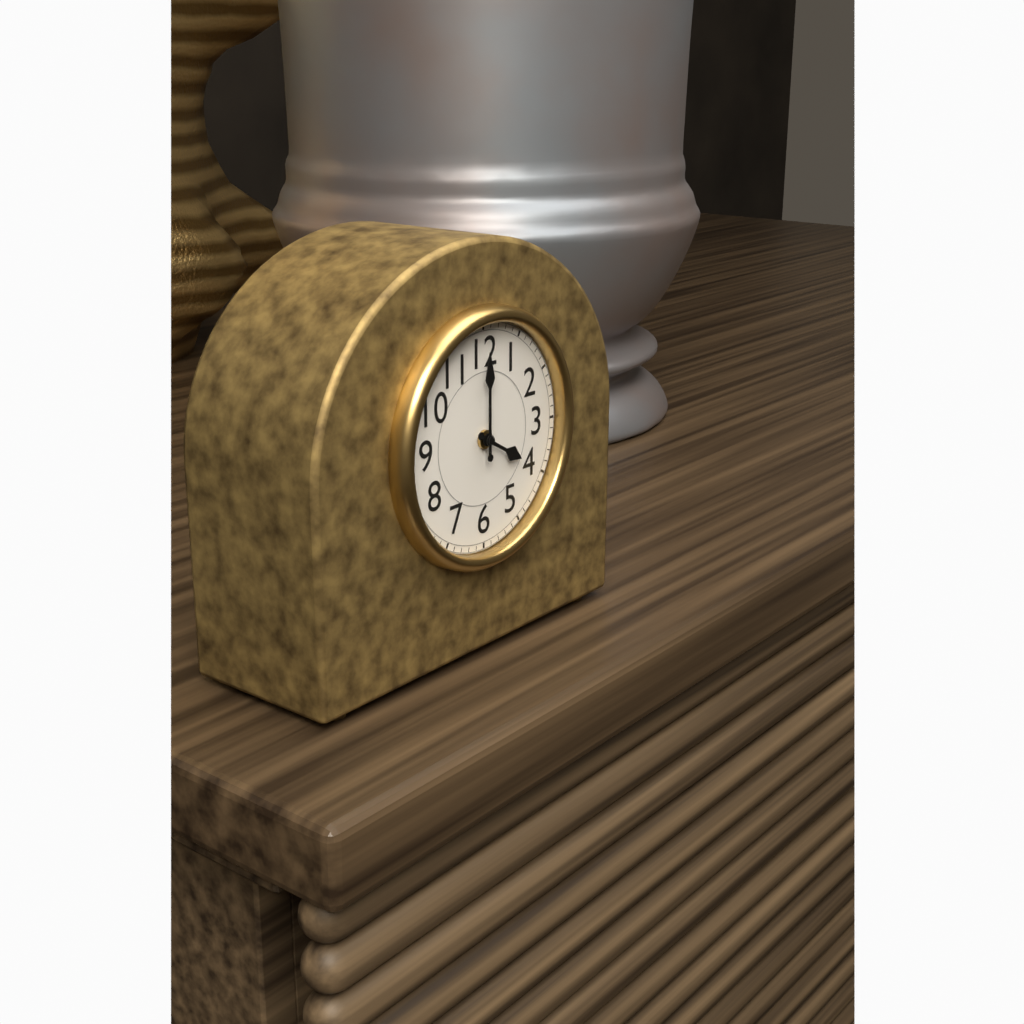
{"hour": 4, "minute": 0}
